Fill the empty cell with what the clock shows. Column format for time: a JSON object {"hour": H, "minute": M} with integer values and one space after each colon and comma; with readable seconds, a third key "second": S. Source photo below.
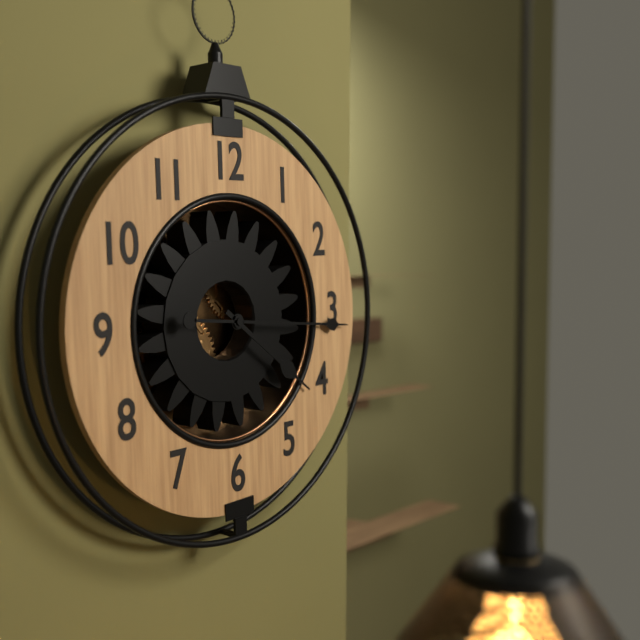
{"hour": 4, "minute": 16}
